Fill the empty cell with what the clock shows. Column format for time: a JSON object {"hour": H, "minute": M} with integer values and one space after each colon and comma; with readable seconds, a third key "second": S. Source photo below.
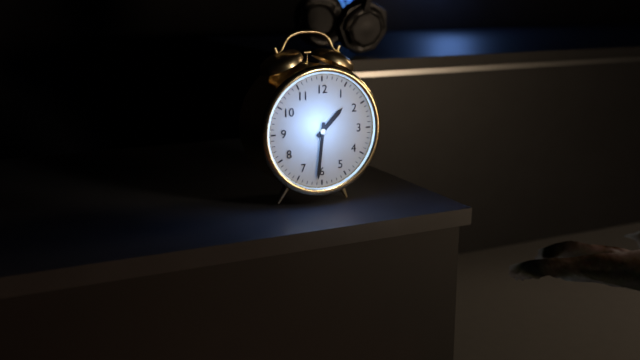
{"hour": 1, "minute": 31}
